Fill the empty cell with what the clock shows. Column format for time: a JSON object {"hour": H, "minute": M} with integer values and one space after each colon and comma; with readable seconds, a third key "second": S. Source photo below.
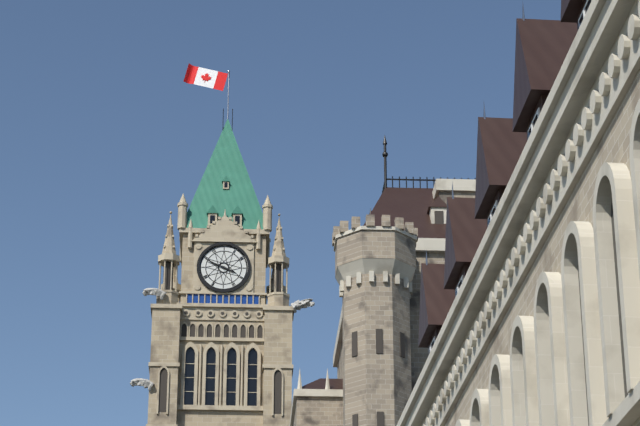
{"hour": 3, "minute": 49}
